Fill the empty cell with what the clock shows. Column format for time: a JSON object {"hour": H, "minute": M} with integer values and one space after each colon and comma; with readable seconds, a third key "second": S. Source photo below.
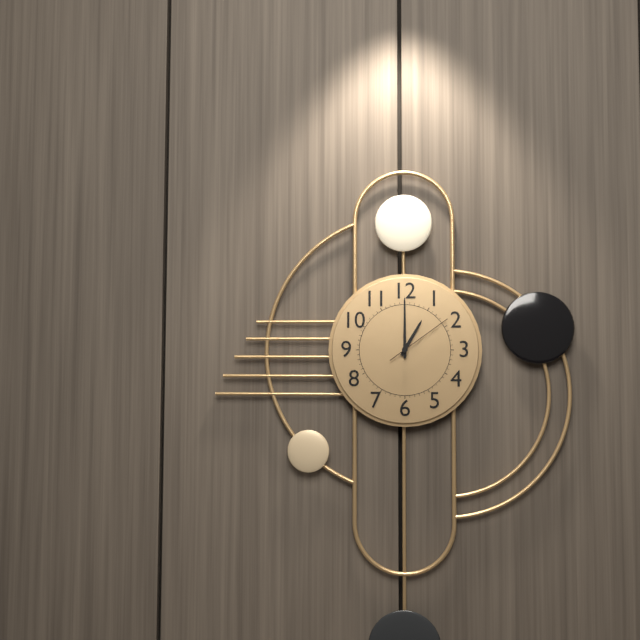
{"hour": 1, "minute": 0, "second": 9}
